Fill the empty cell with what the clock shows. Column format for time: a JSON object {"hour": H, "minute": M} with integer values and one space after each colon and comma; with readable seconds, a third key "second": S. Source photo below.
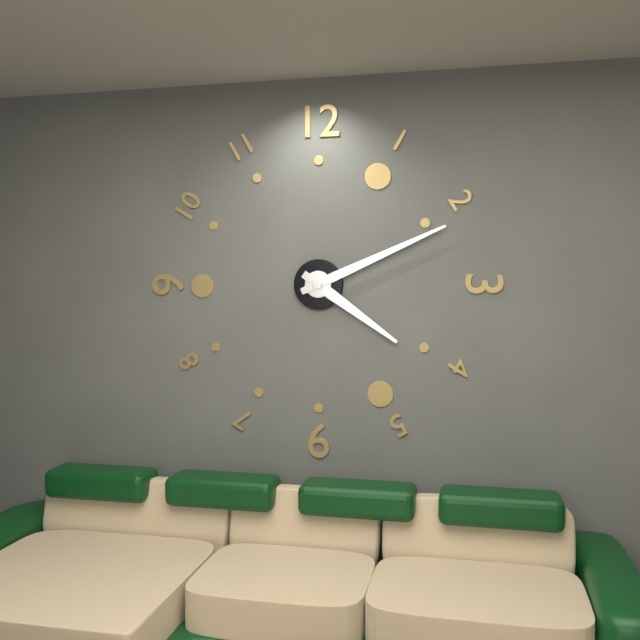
{"hour": 4, "minute": 11}
